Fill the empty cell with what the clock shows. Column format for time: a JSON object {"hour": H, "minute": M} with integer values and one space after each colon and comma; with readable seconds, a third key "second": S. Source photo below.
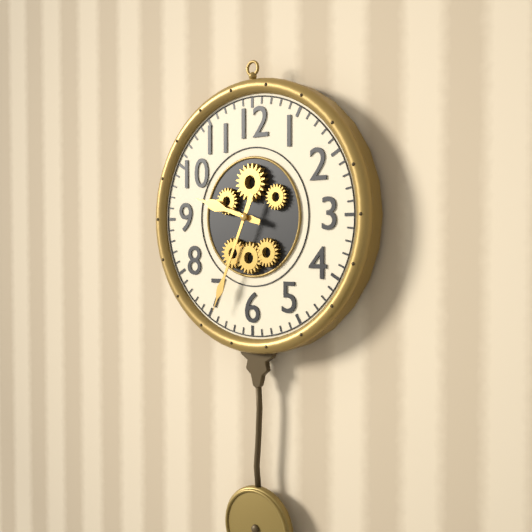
{"hour": 9, "minute": 34}
